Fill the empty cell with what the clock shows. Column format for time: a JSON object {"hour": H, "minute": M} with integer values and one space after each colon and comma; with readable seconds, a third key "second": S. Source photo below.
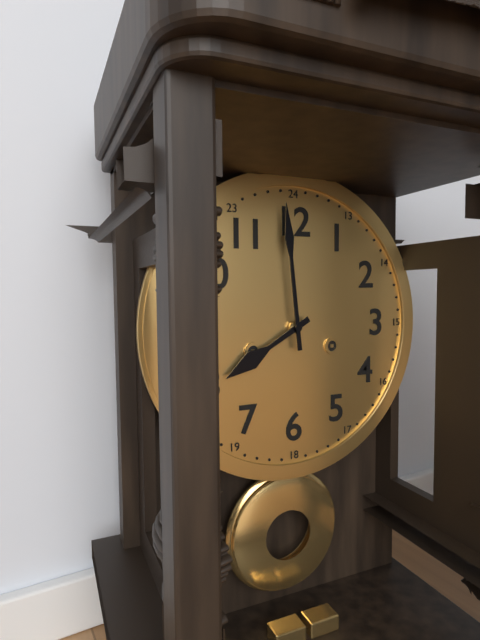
{"hour": 7, "minute": 59}
